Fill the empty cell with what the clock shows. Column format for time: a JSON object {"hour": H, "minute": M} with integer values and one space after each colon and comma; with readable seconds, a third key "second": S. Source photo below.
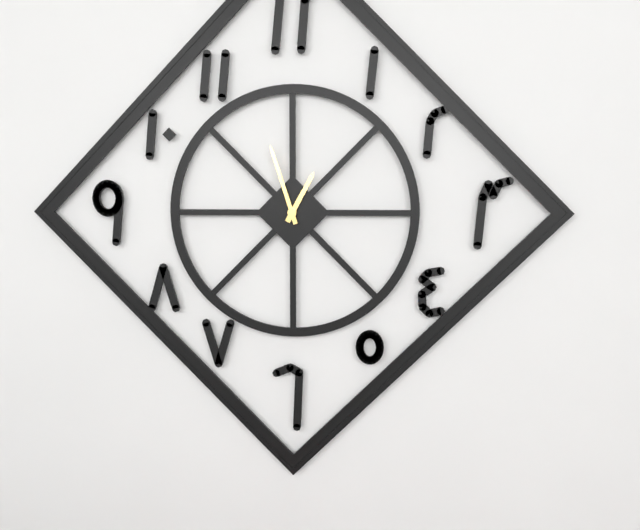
{"hour": 12, "minute": 57}
